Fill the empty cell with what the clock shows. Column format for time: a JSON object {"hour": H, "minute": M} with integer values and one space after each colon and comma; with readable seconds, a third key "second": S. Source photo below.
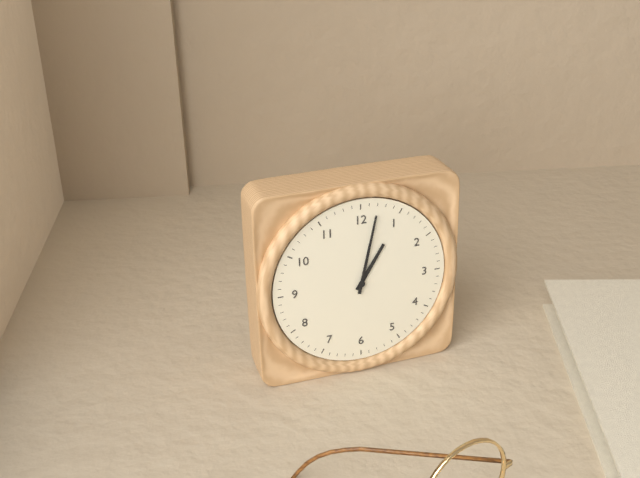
{"hour": 1, "minute": 2}
